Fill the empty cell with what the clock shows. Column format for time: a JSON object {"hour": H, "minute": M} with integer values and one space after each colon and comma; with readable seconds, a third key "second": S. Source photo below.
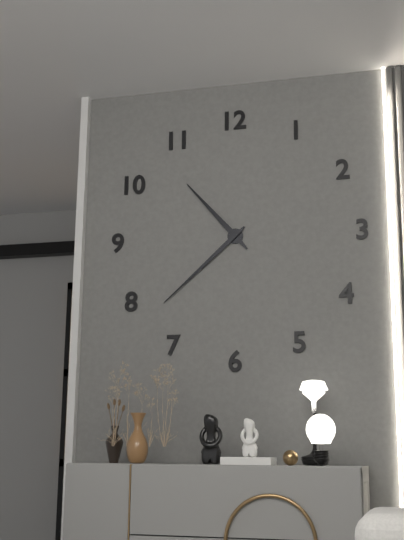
{"hour": 10, "minute": 38}
